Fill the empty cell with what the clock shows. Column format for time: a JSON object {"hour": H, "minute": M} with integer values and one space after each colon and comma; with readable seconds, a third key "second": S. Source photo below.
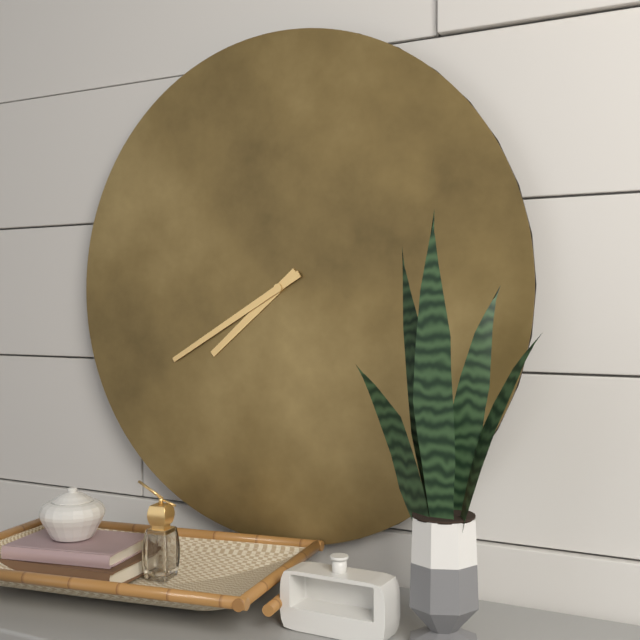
{"hour": 7, "minute": 40}
